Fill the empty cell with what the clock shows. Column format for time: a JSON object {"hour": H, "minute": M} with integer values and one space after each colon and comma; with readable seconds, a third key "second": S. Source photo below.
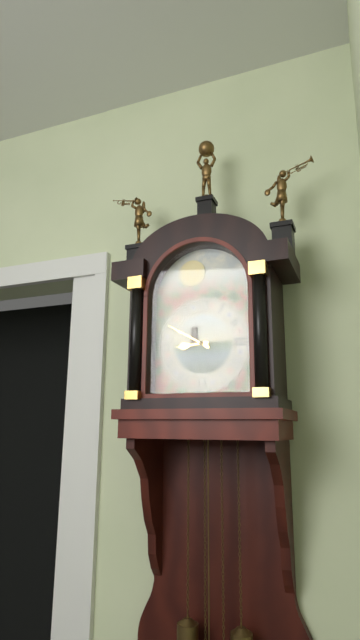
{"hour": 8, "minute": 50}
